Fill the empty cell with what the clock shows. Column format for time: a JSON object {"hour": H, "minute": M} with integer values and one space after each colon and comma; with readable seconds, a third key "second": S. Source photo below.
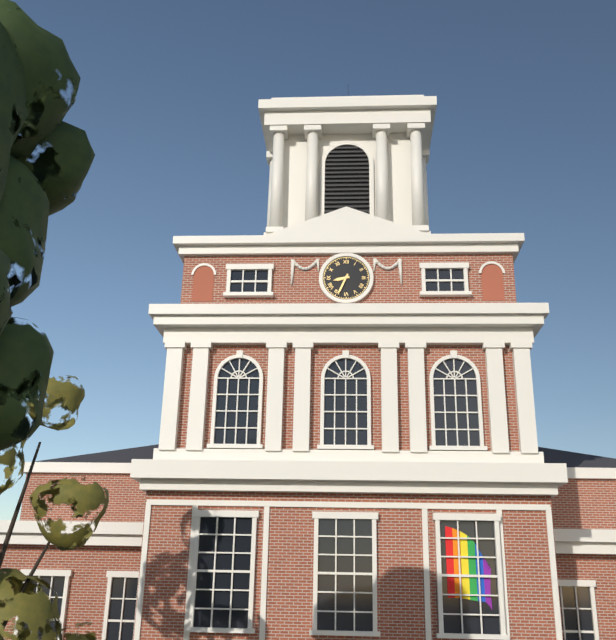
{"hour": 8, "minute": 34}
